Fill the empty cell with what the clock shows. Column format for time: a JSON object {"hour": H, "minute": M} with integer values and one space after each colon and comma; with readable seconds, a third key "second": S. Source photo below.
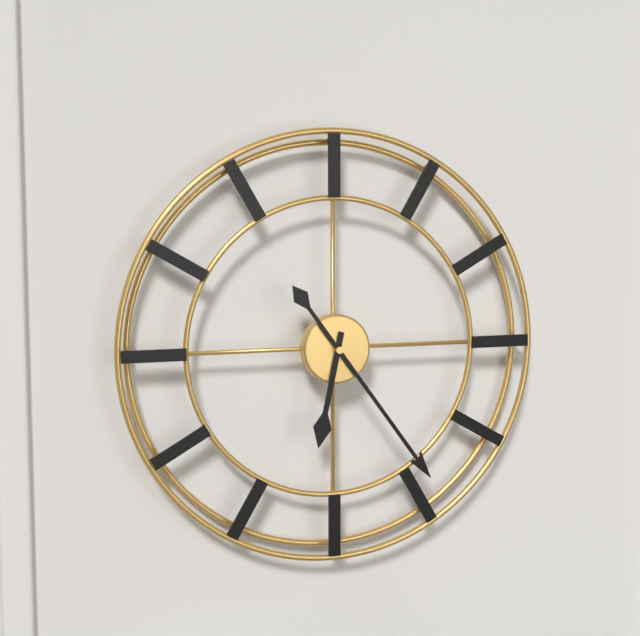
{"hour": 6, "minute": 24}
